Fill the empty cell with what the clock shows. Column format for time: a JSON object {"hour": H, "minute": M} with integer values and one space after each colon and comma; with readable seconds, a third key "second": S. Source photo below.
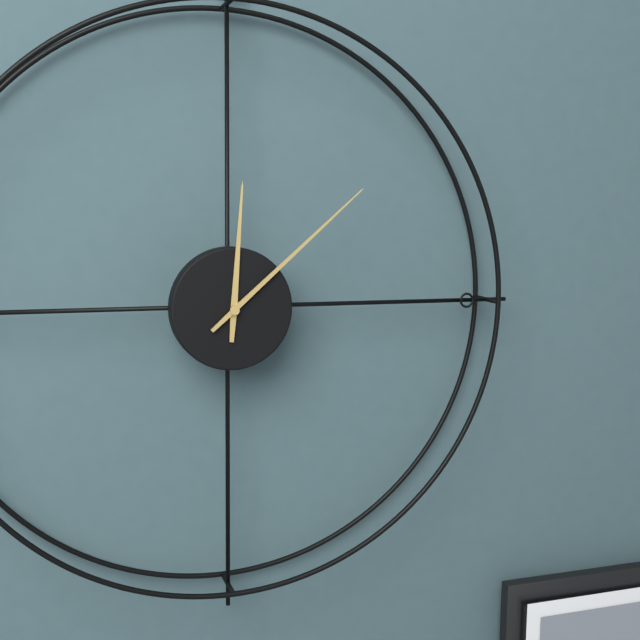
{"hour": 12, "minute": 8}
